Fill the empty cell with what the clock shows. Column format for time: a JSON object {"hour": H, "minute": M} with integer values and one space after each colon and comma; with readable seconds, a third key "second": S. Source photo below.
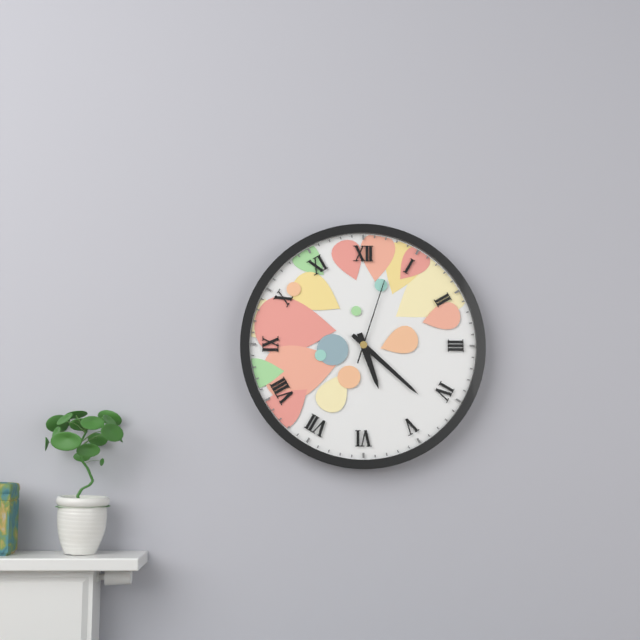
{"hour": 5, "minute": 22, "second": 3}
